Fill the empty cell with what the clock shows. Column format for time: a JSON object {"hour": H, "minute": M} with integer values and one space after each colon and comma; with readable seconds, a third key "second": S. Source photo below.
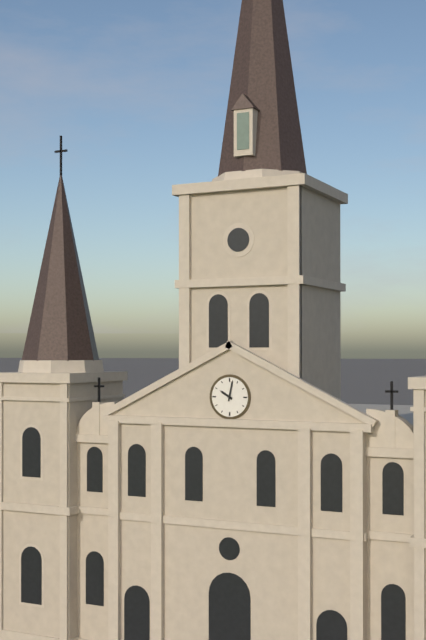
{"hour": 10, "minute": 2}
